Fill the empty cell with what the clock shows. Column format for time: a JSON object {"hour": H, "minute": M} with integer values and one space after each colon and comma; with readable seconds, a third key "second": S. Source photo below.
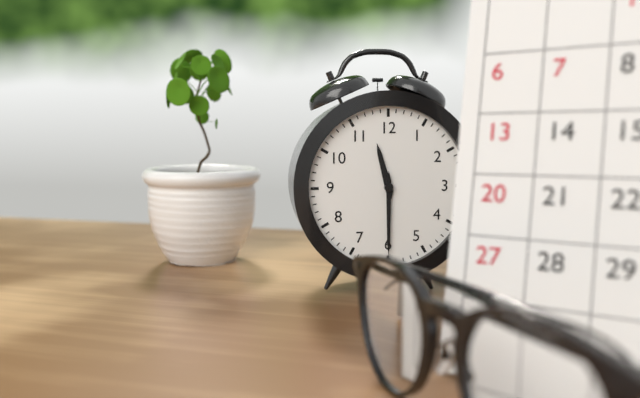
{"hour": 11, "minute": 30}
